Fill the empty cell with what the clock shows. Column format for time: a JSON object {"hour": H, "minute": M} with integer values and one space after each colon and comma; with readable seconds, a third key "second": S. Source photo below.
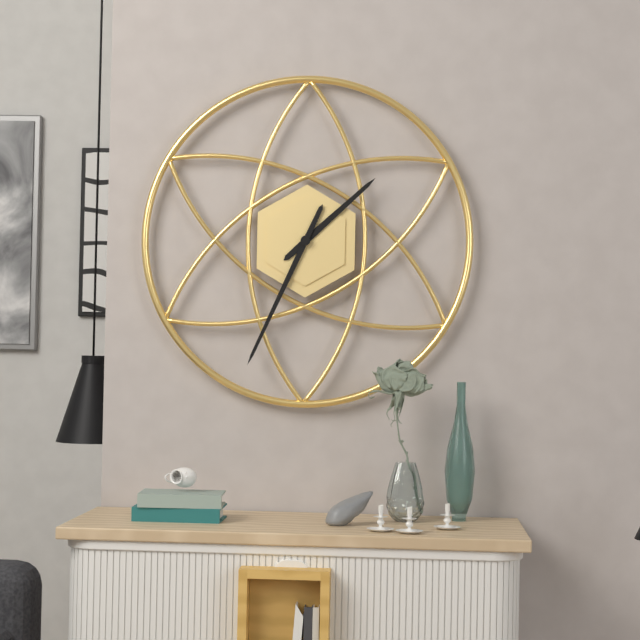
{"hour": 1, "minute": 34}
